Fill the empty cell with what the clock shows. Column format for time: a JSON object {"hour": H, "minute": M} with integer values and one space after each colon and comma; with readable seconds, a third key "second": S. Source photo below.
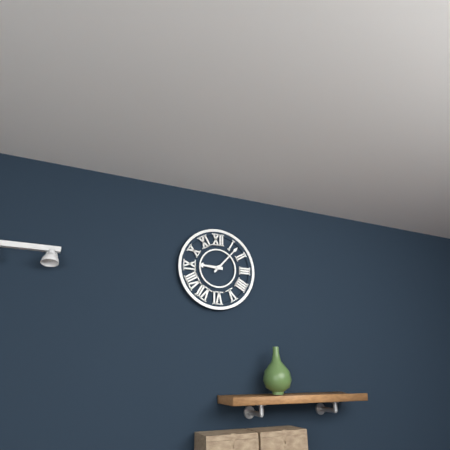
{"hour": 9, "minute": 7}
